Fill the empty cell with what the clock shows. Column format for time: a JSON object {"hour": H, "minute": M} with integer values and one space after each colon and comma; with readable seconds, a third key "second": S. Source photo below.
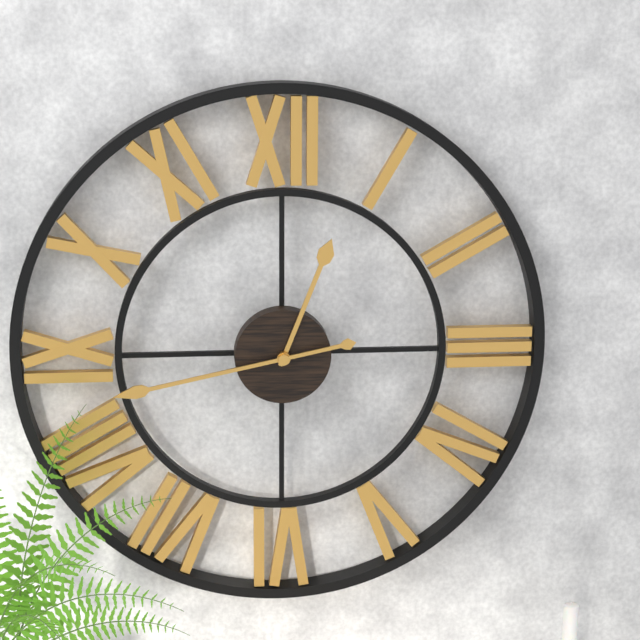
{"hour": 12, "minute": 43}
